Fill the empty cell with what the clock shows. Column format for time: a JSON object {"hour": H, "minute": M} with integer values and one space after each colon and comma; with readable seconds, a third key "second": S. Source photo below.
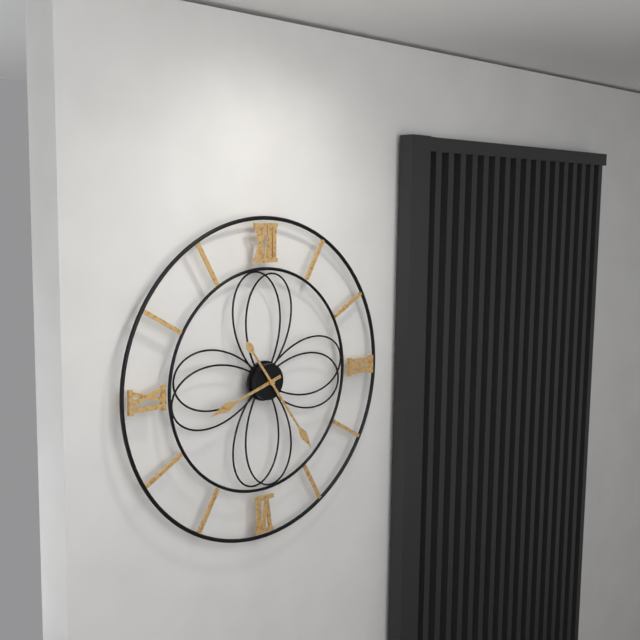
{"hour": 8, "minute": 24}
